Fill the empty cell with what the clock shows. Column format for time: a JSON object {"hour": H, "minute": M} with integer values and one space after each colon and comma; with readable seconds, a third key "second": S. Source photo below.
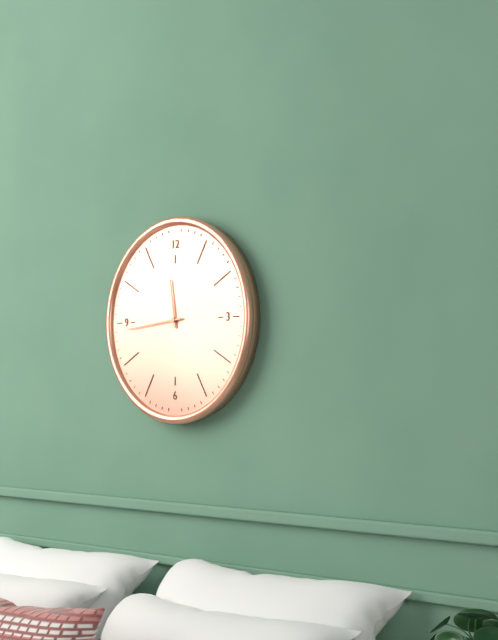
{"hour": 11, "minute": 44}
